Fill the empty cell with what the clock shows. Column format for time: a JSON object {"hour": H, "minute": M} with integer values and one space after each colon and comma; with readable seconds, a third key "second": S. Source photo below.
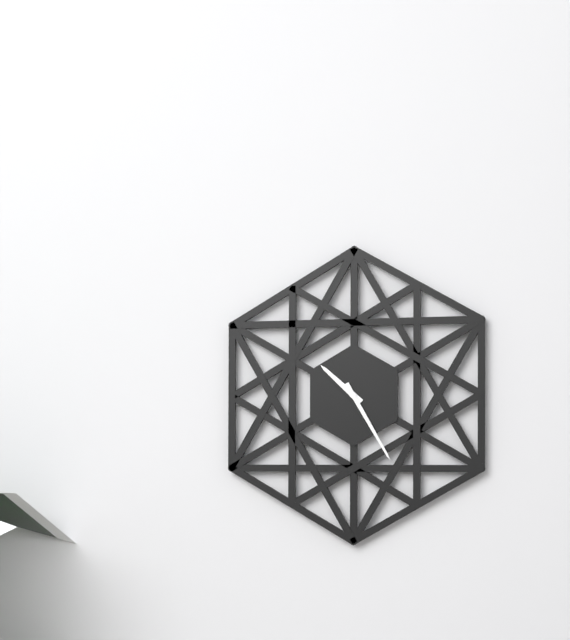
{"hour": 10, "minute": 25}
